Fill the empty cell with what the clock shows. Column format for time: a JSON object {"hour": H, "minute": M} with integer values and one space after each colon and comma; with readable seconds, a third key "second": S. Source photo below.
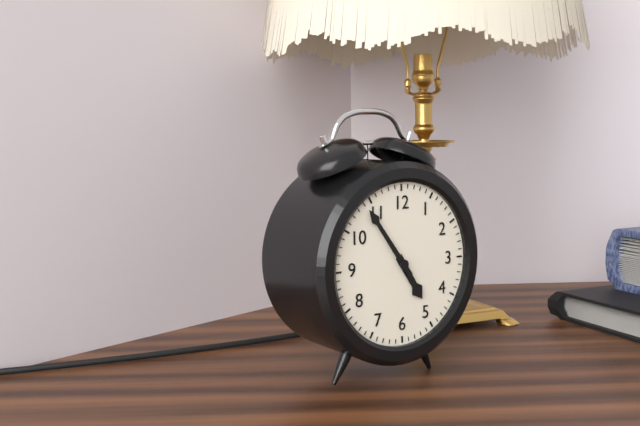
{"hour": 4, "minute": 54}
